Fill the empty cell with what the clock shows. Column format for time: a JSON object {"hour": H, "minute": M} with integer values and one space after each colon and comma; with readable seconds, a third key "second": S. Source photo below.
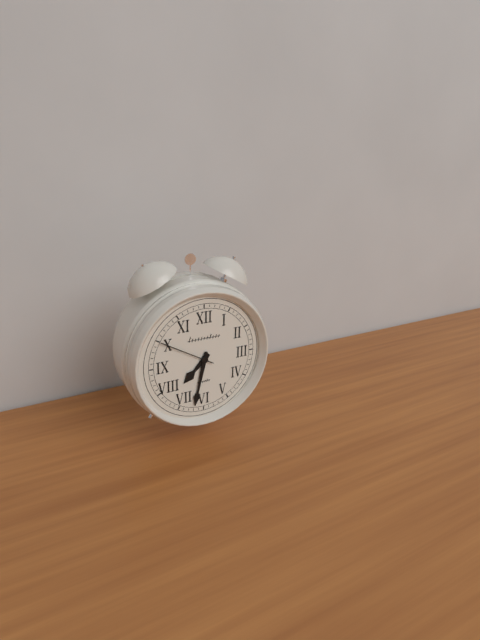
{"hour": 7, "minute": 32, "second": 50}
